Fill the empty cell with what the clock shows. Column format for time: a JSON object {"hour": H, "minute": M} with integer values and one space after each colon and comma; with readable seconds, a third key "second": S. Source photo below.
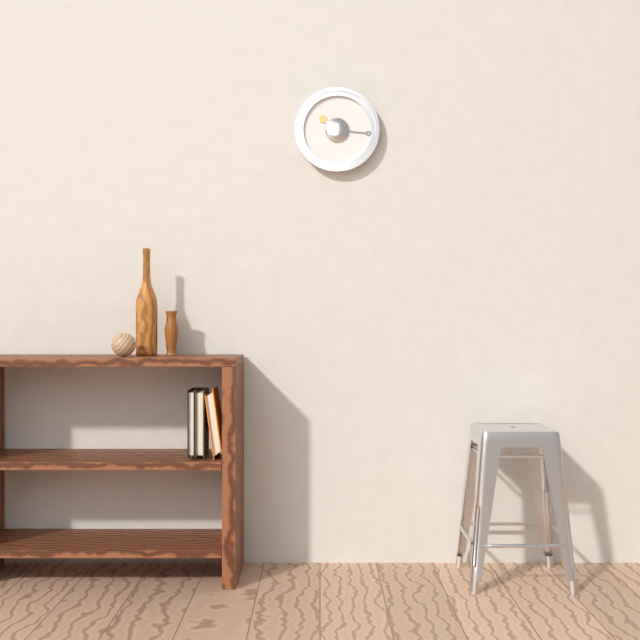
{"hour": 10, "minute": 16}
